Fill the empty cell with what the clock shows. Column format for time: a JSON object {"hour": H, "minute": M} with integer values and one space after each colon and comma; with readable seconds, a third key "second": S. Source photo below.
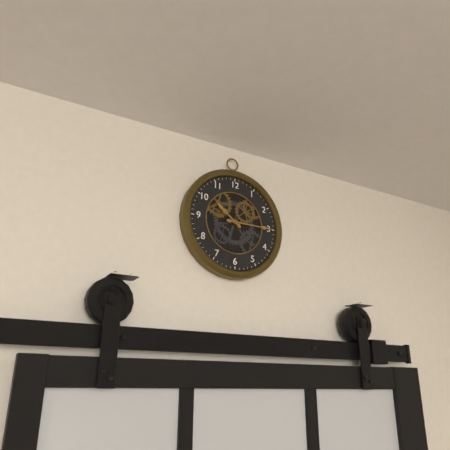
{"hour": 10, "minute": 15}
